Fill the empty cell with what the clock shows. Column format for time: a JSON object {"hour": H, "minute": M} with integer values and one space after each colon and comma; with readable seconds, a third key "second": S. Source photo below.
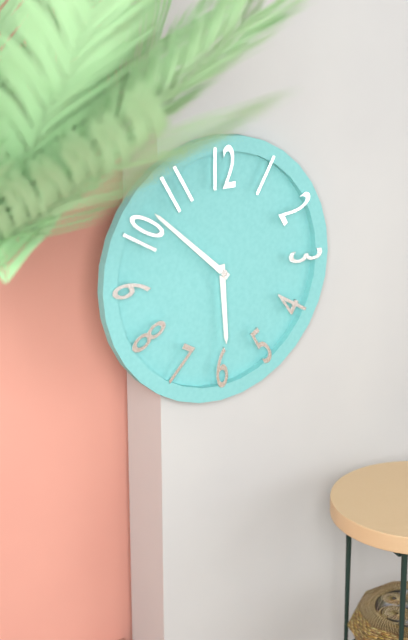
{"hour": 5, "minute": 52}
